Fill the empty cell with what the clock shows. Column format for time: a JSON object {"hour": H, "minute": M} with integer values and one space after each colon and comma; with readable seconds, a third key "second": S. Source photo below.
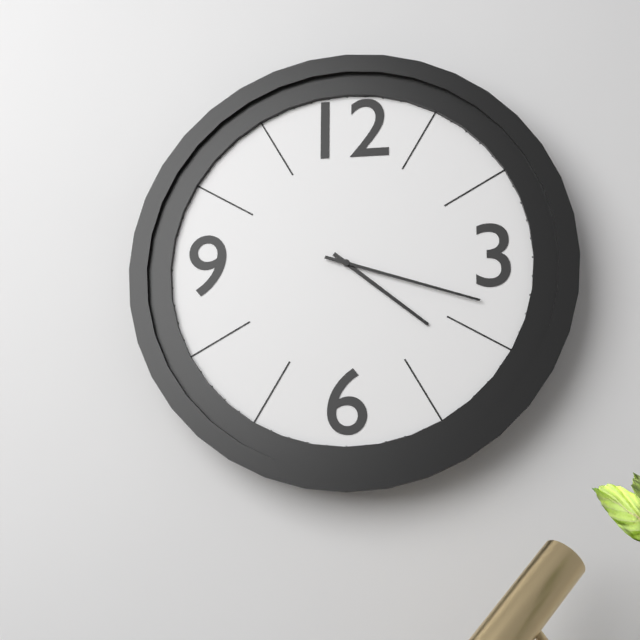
{"hour": 4, "minute": 18}
